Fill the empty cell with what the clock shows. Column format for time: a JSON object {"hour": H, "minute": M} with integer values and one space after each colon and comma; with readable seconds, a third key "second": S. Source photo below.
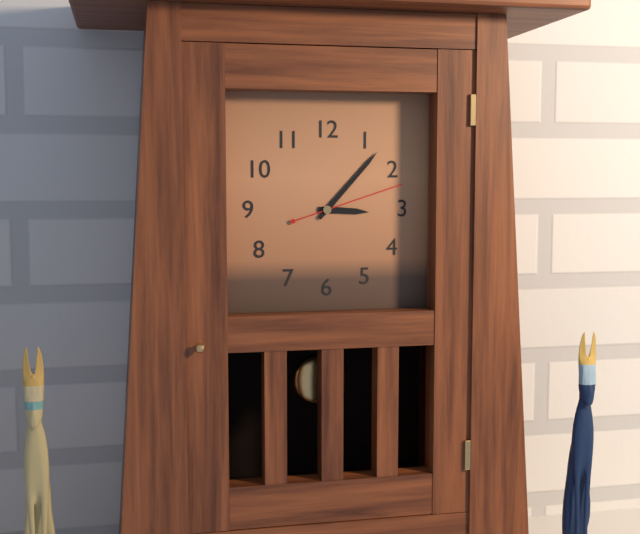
{"hour": 3, "minute": 7, "second": 12}
